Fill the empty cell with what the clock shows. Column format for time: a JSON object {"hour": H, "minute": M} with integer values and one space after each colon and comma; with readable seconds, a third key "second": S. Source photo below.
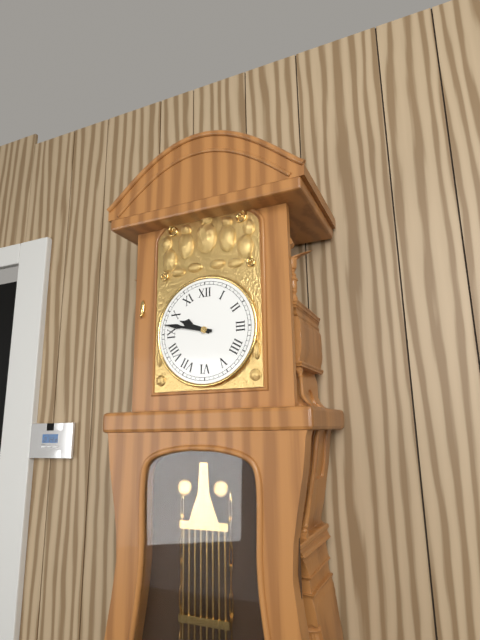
{"hour": 9, "minute": 47}
